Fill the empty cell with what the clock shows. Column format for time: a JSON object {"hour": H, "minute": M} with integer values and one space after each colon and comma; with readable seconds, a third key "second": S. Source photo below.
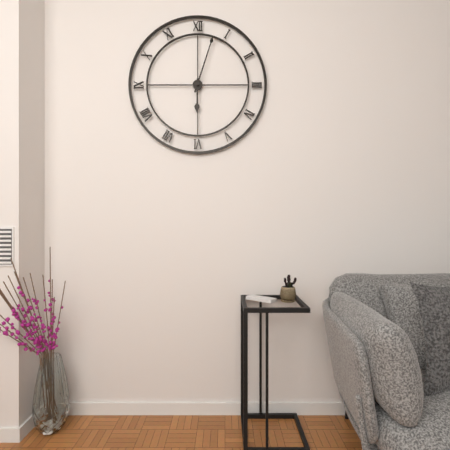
{"hour": 6, "minute": 3}
